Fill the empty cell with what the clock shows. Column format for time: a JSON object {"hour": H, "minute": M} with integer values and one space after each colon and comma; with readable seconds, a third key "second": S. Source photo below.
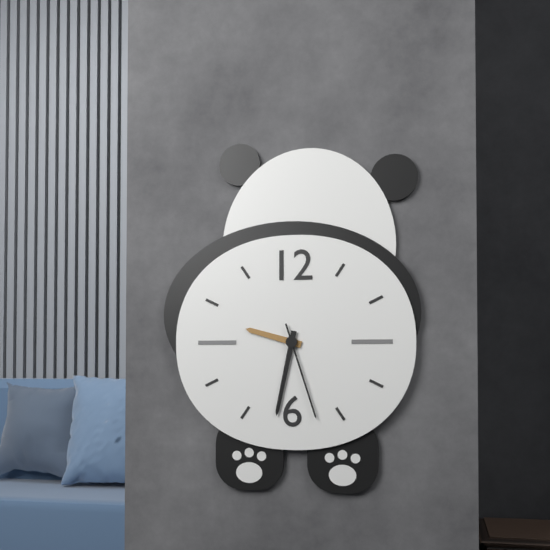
{"hour": 9, "minute": 32, "second": 27}
